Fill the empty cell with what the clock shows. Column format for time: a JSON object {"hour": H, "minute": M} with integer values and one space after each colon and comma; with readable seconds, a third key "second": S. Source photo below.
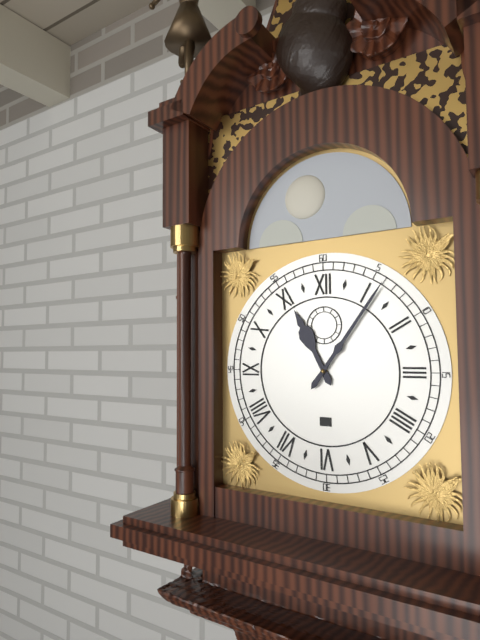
{"hour": 11, "minute": 6}
